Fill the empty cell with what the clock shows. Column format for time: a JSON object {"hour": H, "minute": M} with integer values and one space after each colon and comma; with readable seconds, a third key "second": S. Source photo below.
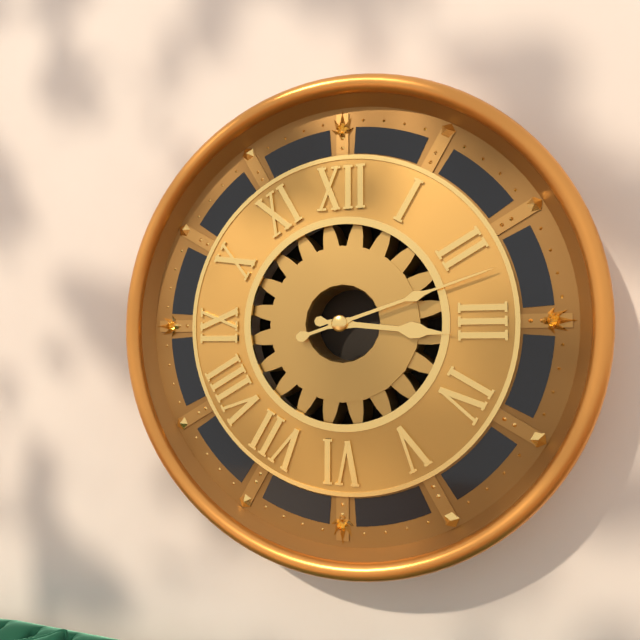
{"hour": 3, "minute": 12}
